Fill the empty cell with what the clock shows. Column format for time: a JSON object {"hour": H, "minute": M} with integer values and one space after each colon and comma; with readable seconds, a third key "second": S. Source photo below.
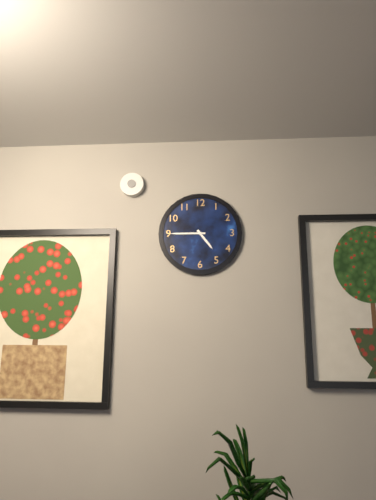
{"hour": 4, "minute": 45}
